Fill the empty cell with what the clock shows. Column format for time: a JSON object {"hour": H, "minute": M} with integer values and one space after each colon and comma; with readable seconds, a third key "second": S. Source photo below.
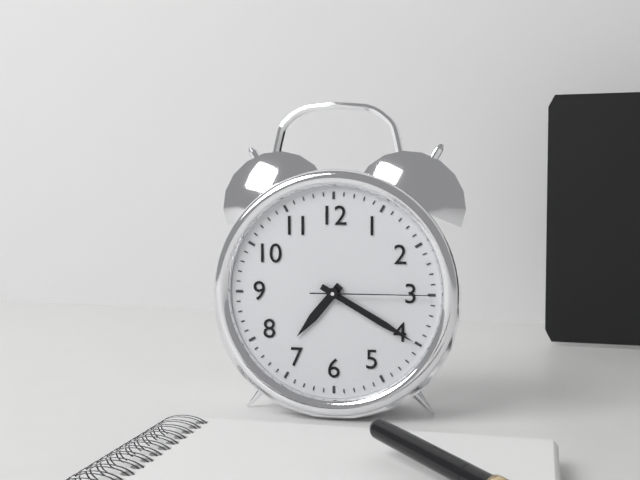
{"hour": 7, "minute": 20, "second": 15}
